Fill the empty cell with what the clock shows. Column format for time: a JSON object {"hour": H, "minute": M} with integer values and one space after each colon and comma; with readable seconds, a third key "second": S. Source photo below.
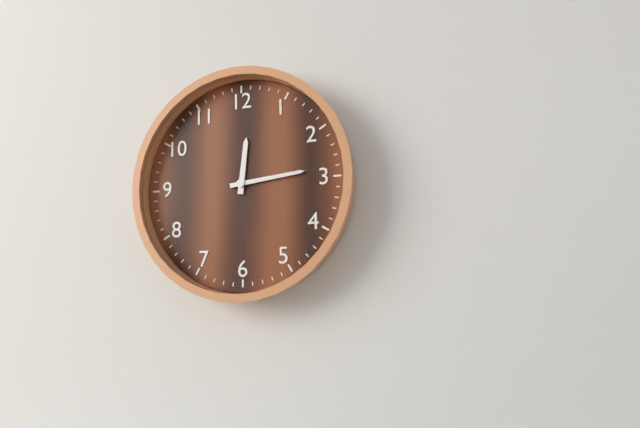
{"hour": 12, "minute": 14}
